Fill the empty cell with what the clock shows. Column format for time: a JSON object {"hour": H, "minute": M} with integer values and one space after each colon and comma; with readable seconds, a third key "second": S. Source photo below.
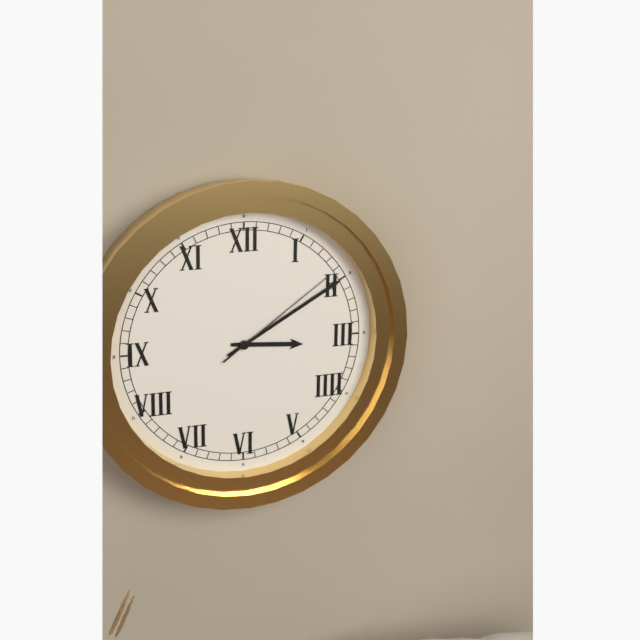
{"hour": 3, "minute": 10, "second": 9}
